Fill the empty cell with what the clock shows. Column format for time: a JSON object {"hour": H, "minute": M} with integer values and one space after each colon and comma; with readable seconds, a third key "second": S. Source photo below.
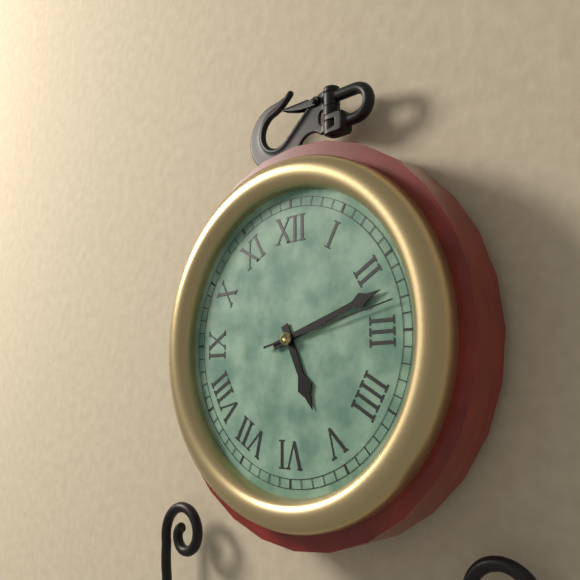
{"hour": 5, "minute": 12, "second": 13}
